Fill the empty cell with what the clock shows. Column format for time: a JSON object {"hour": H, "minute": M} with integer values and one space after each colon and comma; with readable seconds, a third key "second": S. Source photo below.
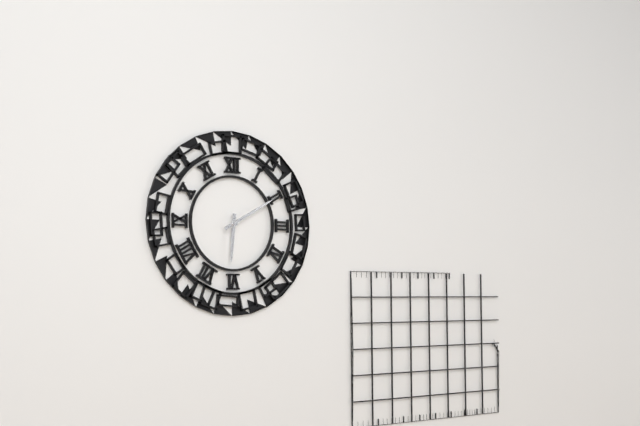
{"hour": 6, "minute": 10}
